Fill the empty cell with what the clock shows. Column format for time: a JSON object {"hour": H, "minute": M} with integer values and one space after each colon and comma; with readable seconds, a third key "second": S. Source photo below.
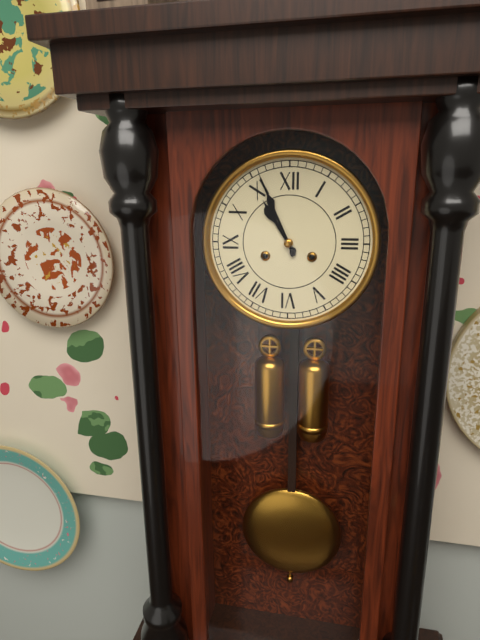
{"hour": 10, "minute": 56}
